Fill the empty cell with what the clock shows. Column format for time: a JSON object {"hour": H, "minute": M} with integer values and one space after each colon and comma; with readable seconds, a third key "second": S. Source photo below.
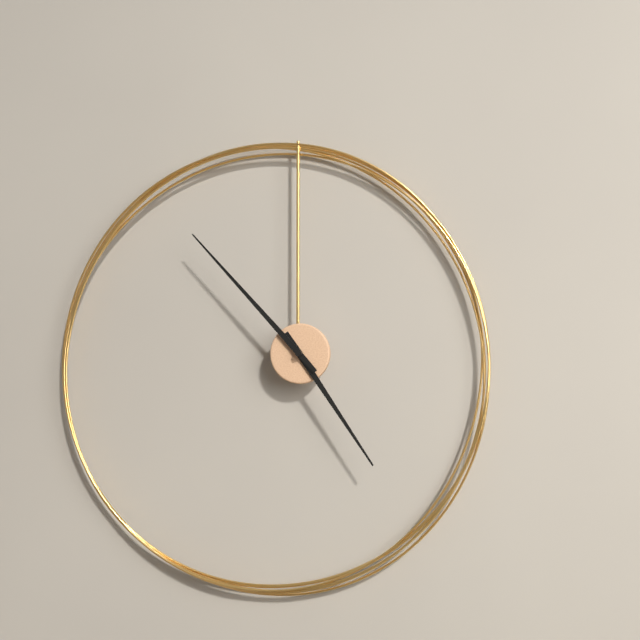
{"hour": 4, "minute": 53}
